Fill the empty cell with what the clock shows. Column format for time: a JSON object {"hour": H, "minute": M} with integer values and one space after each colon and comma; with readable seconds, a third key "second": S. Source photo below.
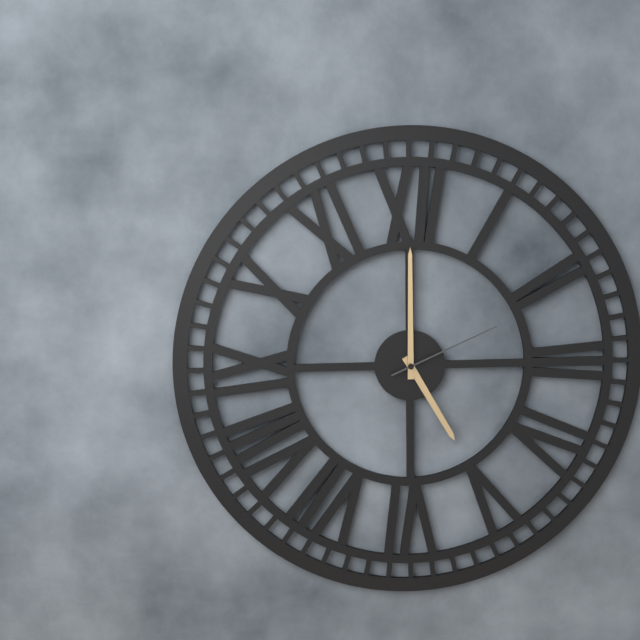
{"hour": 5, "minute": 0, "second": 11}
